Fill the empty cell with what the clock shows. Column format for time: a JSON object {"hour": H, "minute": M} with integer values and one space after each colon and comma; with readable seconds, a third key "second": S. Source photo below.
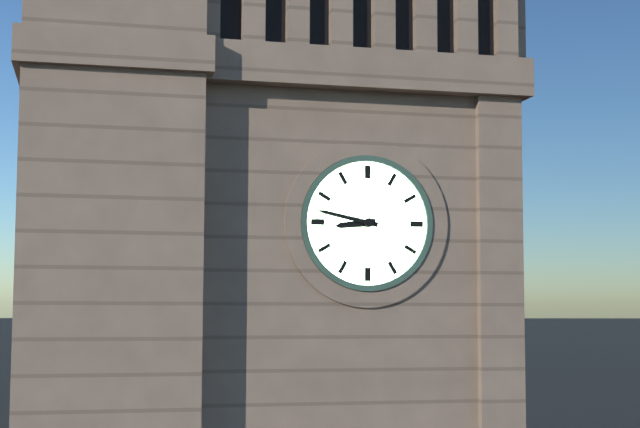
{"hour": 8, "minute": 47}
